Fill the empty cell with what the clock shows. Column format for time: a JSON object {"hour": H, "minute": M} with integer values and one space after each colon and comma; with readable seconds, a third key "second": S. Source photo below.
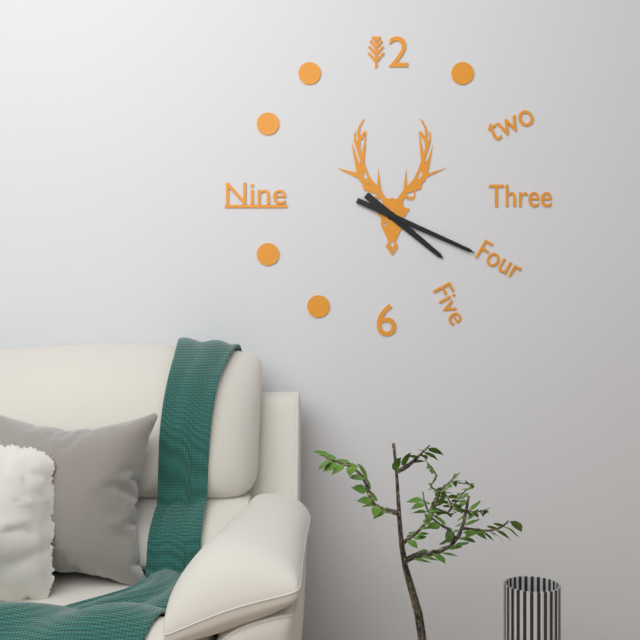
{"hour": 4, "minute": 19}
